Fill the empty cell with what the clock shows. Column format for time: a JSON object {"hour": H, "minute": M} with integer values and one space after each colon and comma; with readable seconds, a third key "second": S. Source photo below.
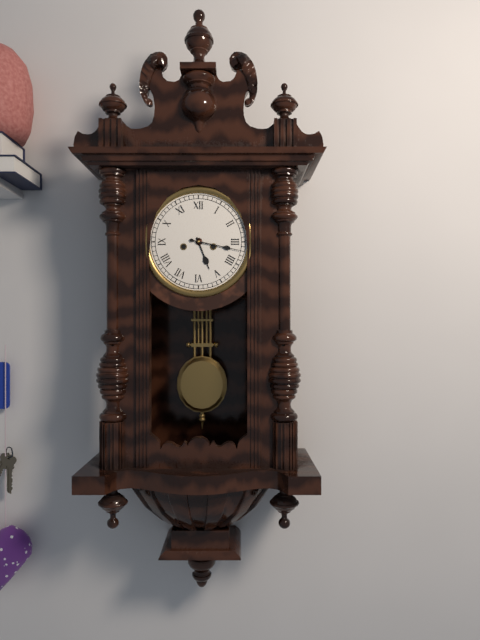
{"hour": 5, "minute": 17}
